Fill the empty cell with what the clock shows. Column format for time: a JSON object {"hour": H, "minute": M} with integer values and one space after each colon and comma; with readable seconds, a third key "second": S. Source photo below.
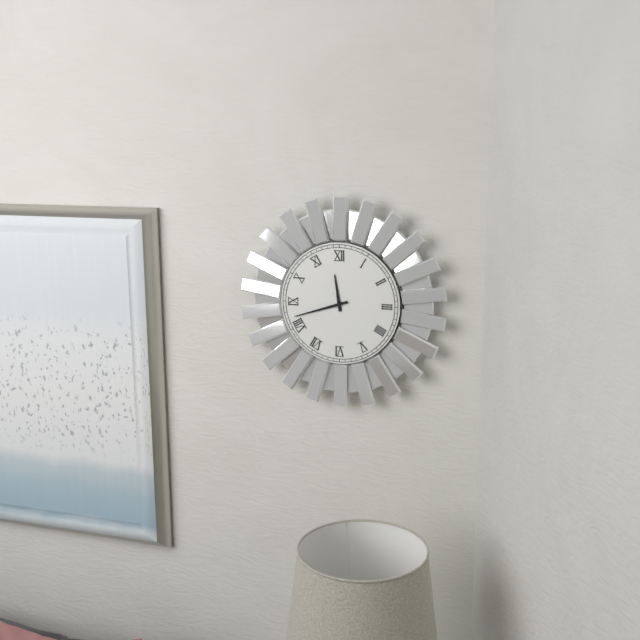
{"hour": 11, "minute": 42}
